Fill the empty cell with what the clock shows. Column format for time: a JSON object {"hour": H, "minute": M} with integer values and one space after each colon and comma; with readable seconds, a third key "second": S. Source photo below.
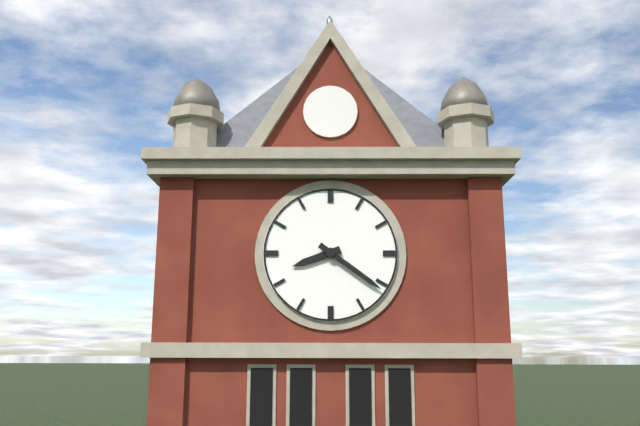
{"hour": 8, "minute": 21}
